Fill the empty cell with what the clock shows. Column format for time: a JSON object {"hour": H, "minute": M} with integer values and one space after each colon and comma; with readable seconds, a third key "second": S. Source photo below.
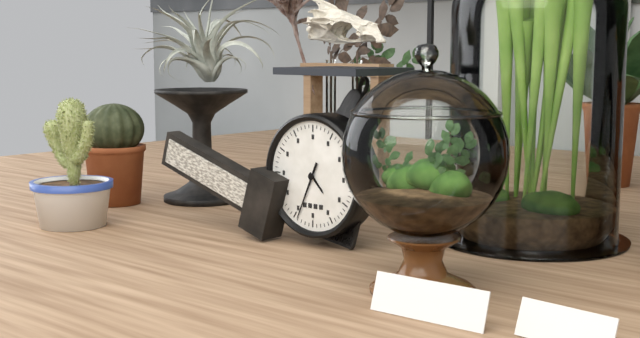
{"hour": 4, "minute": 34}
